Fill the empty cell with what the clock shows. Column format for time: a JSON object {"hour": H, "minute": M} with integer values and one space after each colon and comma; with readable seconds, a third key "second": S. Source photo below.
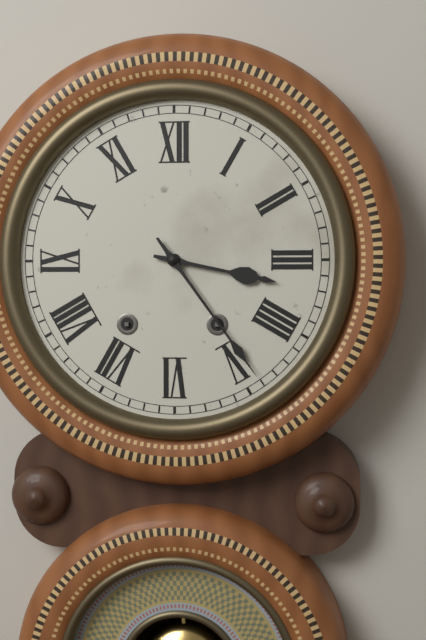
{"hour": 3, "minute": 24}
